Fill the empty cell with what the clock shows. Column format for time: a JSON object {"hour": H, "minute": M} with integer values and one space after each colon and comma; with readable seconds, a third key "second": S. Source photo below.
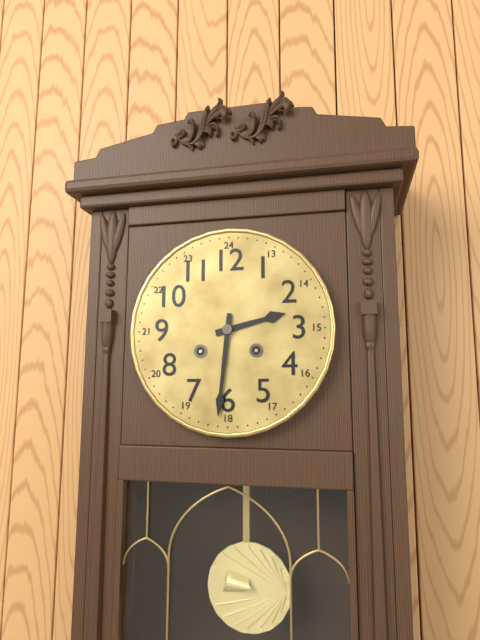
{"hour": 2, "minute": 31}
